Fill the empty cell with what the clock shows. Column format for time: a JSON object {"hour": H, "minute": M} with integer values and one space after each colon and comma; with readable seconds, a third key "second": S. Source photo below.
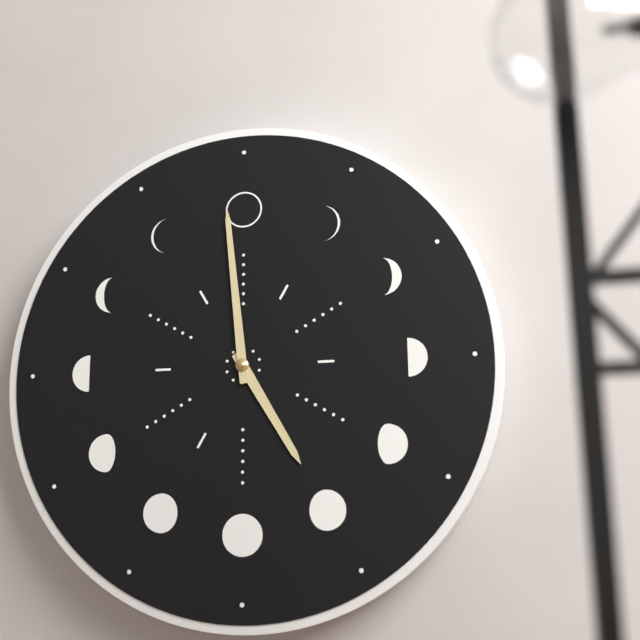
{"hour": 4, "minute": 59}
